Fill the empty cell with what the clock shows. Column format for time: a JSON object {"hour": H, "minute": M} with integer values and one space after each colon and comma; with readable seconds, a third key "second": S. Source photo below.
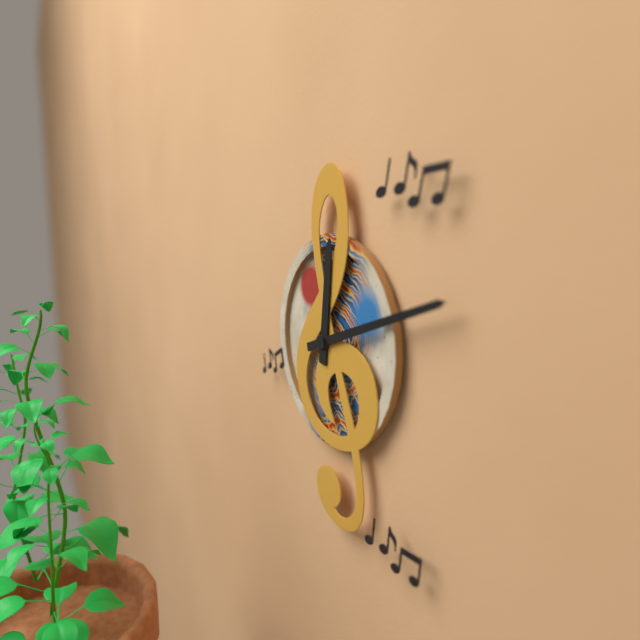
{"hour": 12, "minute": 12}
